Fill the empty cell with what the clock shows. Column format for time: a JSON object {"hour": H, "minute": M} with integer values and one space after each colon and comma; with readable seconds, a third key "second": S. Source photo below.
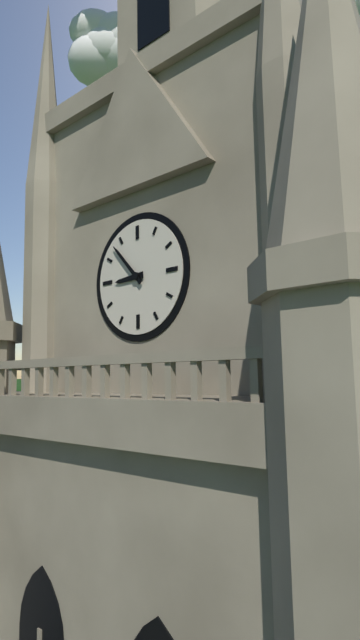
{"hour": 8, "minute": 53}
